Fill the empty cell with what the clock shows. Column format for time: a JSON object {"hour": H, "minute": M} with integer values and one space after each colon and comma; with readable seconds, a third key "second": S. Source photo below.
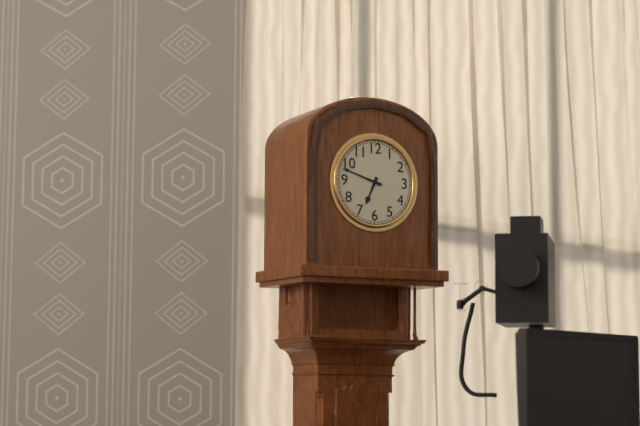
{"hour": 6, "minute": 48}
